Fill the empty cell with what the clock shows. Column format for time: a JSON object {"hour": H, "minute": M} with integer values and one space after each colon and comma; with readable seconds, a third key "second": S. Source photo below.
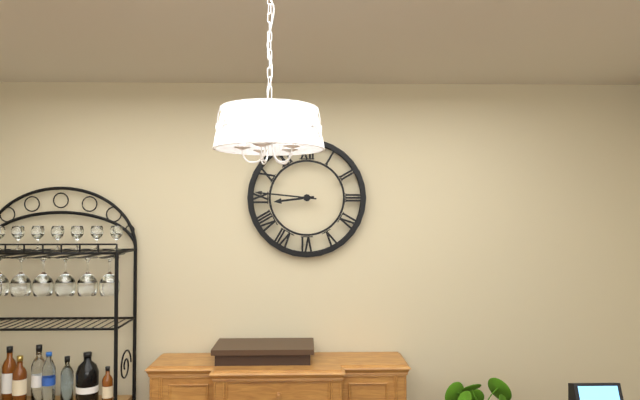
{"hour": 8, "minute": 46}
